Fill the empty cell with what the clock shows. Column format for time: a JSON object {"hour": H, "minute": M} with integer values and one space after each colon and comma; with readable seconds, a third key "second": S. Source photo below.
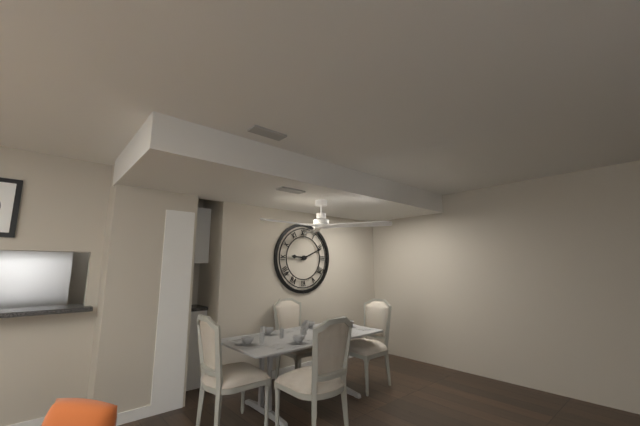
{"hour": 9, "minute": 11}
